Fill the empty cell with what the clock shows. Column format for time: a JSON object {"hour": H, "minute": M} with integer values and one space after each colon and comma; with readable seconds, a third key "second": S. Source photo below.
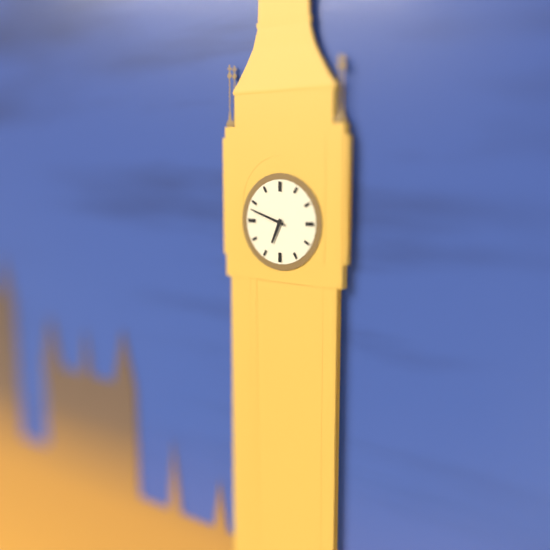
{"hour": 6, "minute": 48}
